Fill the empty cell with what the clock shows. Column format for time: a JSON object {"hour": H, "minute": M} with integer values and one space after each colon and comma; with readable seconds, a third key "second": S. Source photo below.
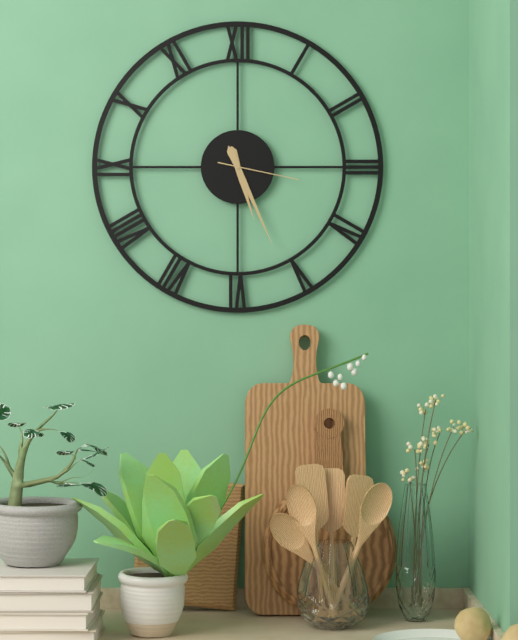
{"hour": 5, "minute": 26, "second": 17}
